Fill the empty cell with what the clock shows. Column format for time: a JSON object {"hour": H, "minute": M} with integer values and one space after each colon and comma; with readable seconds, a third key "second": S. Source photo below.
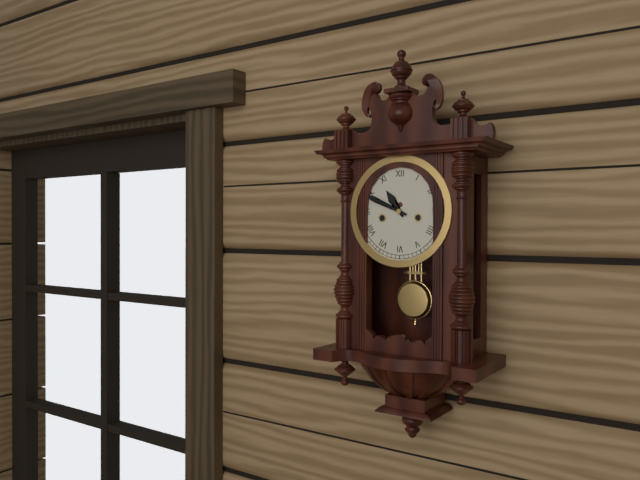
{"hour": 10, "minute": 49}
